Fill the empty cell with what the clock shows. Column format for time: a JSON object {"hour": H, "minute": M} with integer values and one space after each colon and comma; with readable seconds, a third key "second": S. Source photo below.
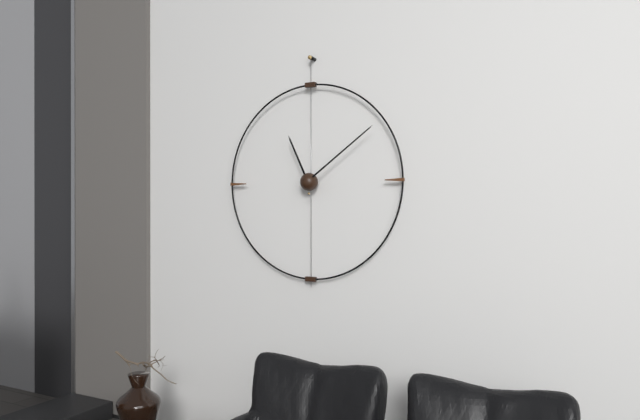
{"hour": 11, "minute": 9}
